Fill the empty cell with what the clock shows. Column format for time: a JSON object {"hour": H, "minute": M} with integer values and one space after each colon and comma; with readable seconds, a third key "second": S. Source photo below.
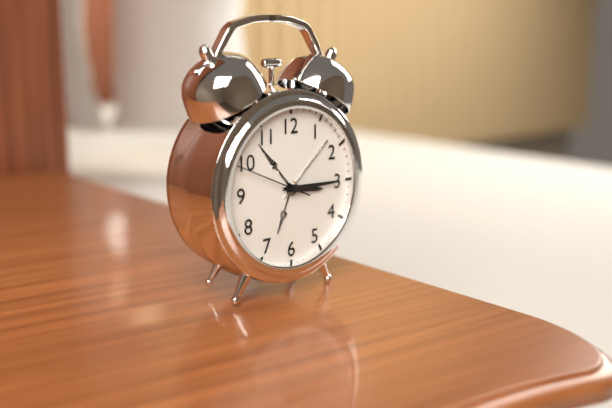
{"hour": 3, "minute": 15, "second": 49}
